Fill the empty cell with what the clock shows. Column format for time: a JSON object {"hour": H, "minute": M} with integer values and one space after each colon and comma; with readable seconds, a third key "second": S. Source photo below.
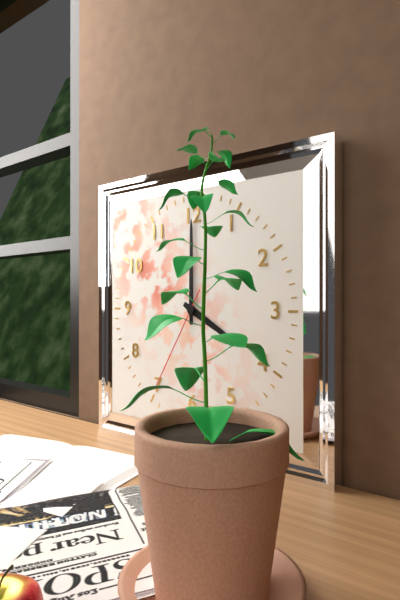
{"hour": 4, "minute": 0, "second": 35}
